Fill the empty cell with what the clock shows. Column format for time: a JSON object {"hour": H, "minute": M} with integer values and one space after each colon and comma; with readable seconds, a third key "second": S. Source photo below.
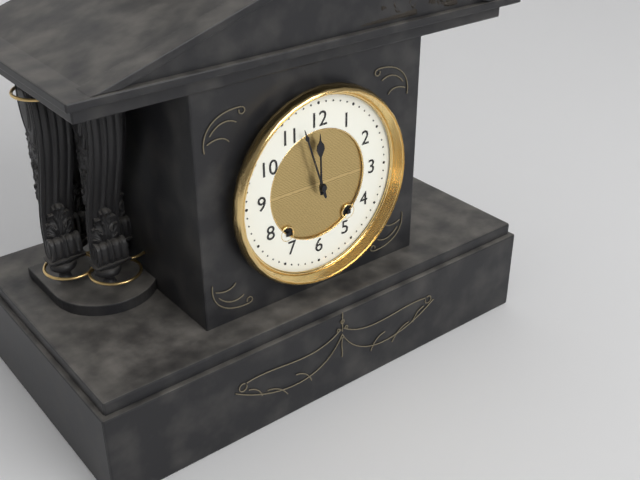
{"hour": 11, "minute": 57}
